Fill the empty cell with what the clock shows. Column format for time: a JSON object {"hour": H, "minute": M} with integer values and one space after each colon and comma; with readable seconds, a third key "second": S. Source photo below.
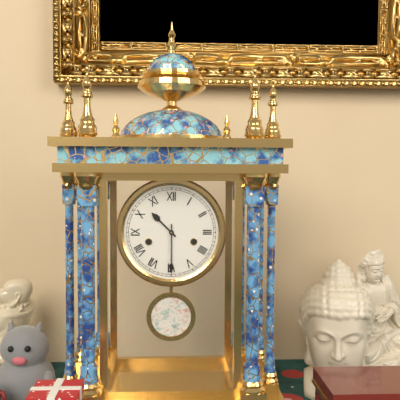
{"hour": 10, "minute": 30}
